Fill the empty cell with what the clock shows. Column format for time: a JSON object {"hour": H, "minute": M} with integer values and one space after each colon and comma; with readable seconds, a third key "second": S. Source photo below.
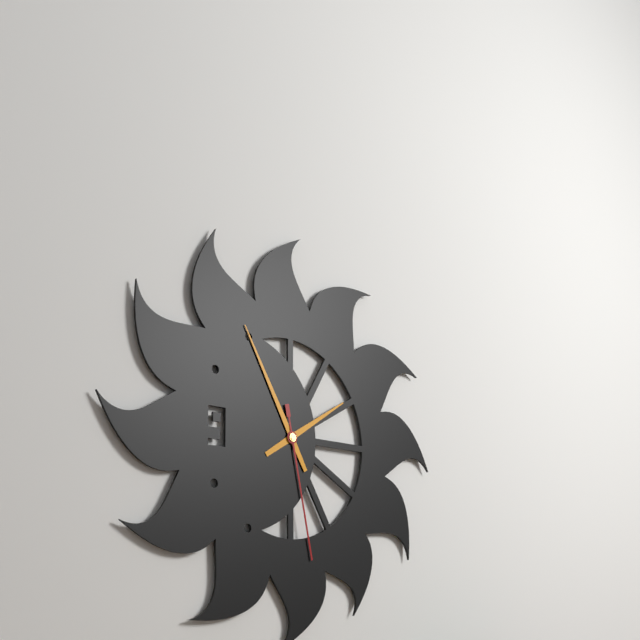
{"hour": 1, "minute": 55, "second": 28}
